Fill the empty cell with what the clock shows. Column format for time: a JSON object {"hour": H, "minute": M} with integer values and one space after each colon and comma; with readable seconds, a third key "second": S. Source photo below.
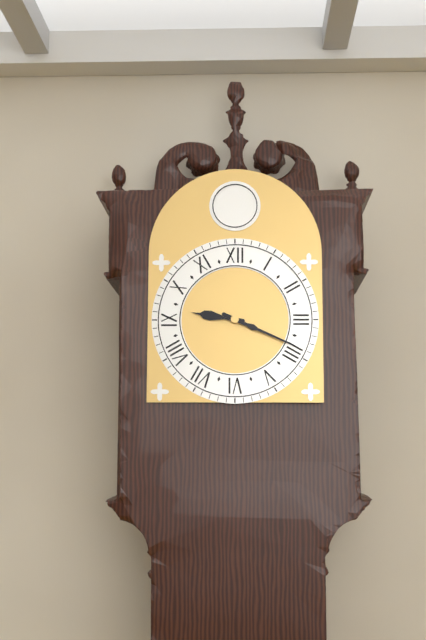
{"hour": 9, "minute": 19}
